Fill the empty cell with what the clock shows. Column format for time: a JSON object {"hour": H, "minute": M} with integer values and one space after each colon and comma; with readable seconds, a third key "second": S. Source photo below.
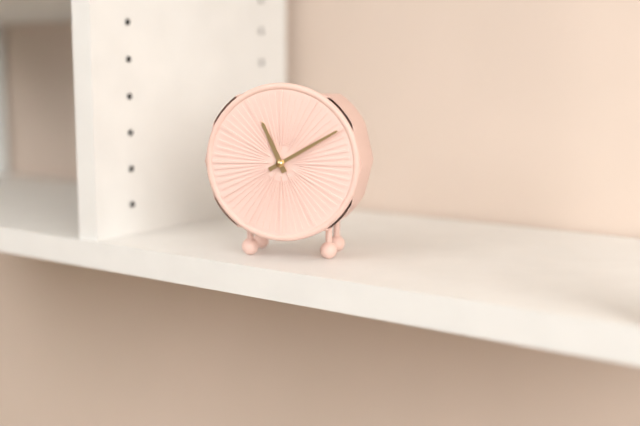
{"hour": 11, "minute": 10}
